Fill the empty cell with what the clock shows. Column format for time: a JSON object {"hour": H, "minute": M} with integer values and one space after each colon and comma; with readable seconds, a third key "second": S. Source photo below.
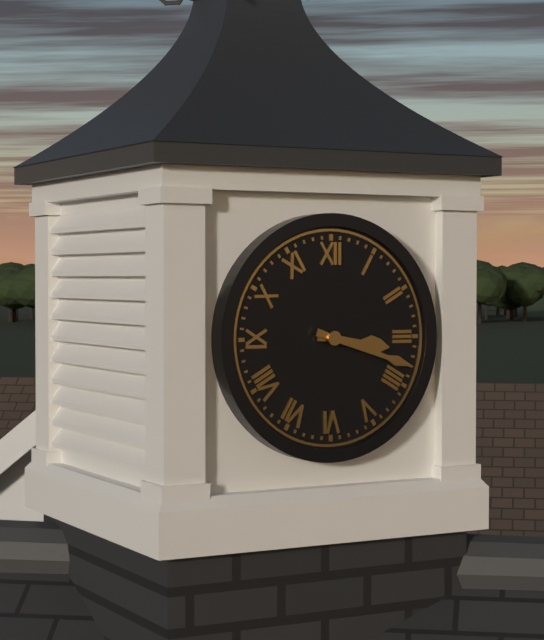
{"hour": 3, "minute": 18}
